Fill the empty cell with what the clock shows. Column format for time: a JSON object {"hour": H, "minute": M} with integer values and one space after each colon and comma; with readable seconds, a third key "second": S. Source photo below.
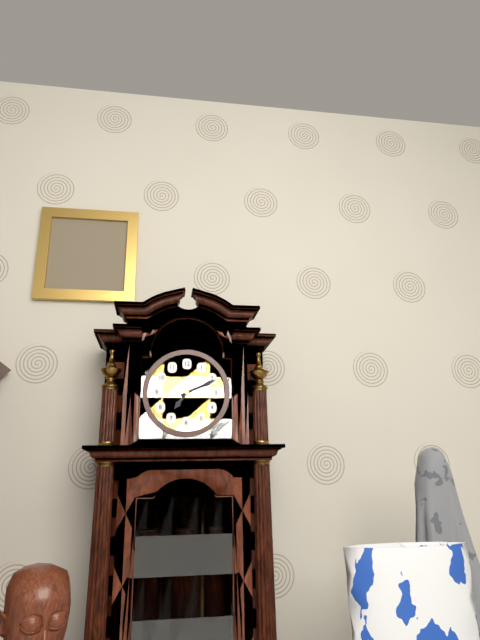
{"hour": 7, "minute": 11}
